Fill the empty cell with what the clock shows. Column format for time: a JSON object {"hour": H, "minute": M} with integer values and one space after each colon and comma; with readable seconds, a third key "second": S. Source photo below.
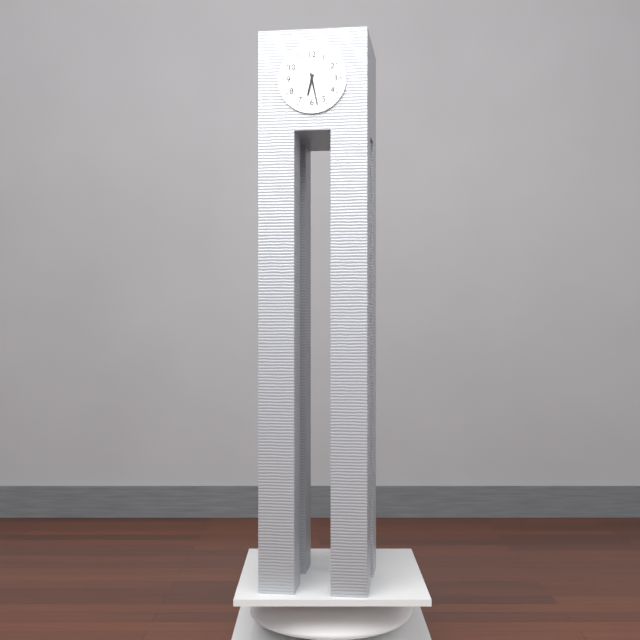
{"hour": 6, "minute": 28}
